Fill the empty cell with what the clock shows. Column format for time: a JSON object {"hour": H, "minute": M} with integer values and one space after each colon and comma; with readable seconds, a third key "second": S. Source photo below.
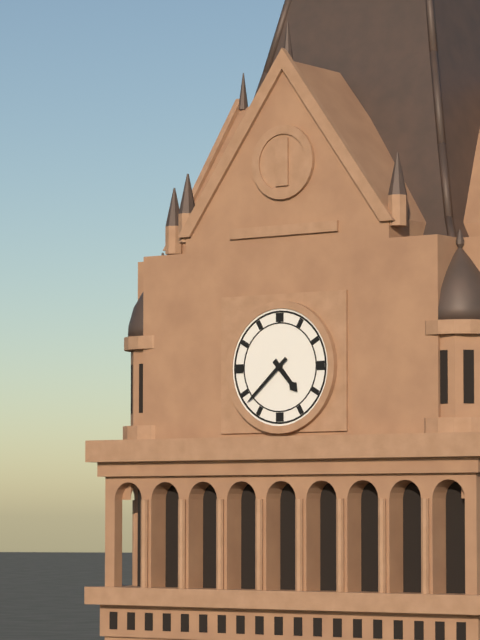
{"hour": 4, "minute": 38}
